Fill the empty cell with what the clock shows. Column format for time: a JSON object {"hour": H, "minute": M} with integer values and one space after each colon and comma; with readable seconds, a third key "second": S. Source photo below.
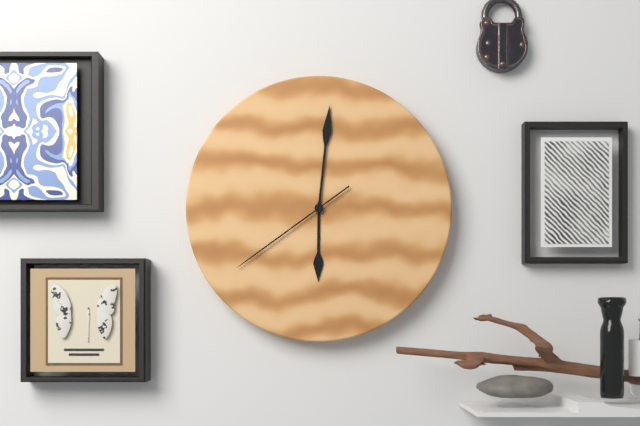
{"hour": 6, "minute": 1, "second": 39}
